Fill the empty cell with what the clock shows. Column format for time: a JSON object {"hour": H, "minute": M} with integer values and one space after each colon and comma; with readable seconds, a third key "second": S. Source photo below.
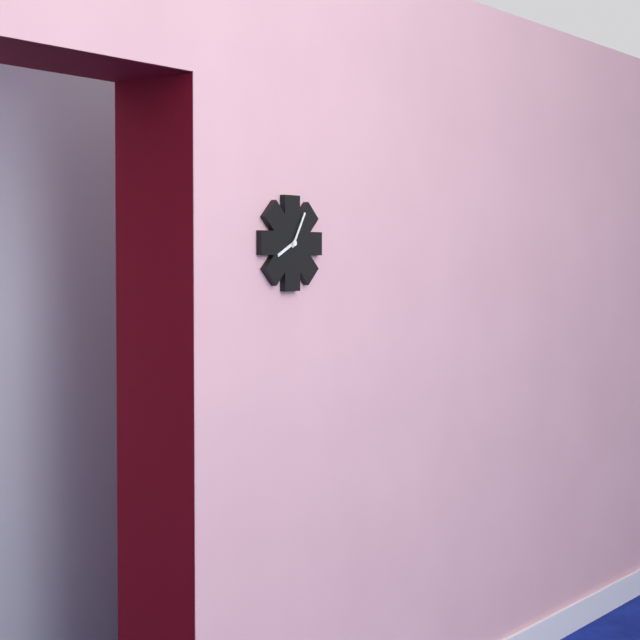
{"hour": 8, "minute": 5}
